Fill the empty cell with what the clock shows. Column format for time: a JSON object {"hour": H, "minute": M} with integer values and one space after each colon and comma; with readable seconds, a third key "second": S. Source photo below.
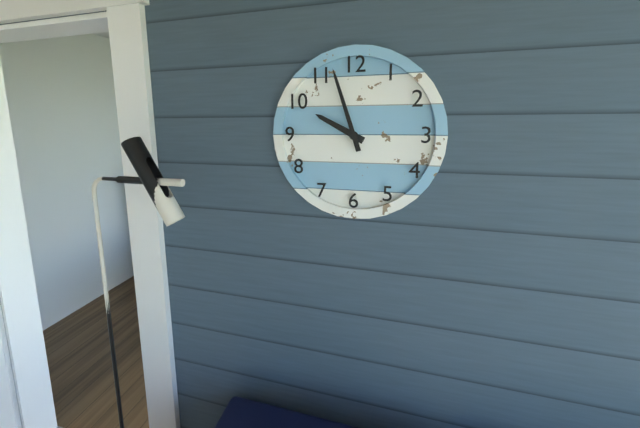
{"hour": 9, "minute": 57}
